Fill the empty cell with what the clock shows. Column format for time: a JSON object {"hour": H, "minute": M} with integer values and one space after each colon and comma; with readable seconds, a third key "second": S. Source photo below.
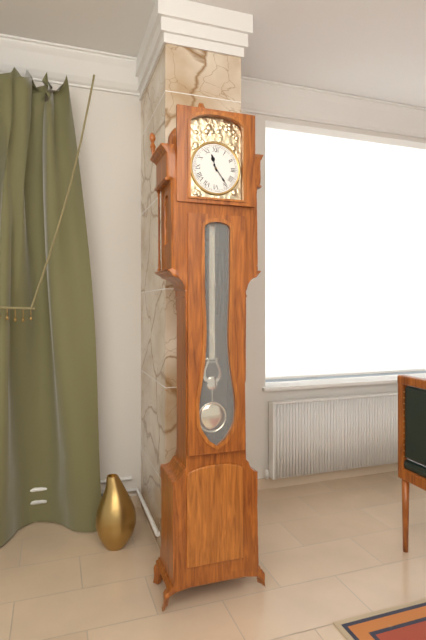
{"hour": 11, "minute": 24}
